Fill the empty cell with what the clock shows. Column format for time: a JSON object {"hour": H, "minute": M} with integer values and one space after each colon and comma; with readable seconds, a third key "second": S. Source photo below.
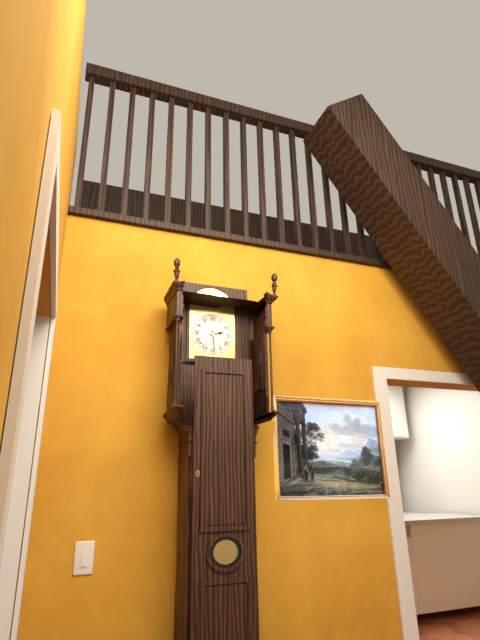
{"hour": 2, "minute": 29}
